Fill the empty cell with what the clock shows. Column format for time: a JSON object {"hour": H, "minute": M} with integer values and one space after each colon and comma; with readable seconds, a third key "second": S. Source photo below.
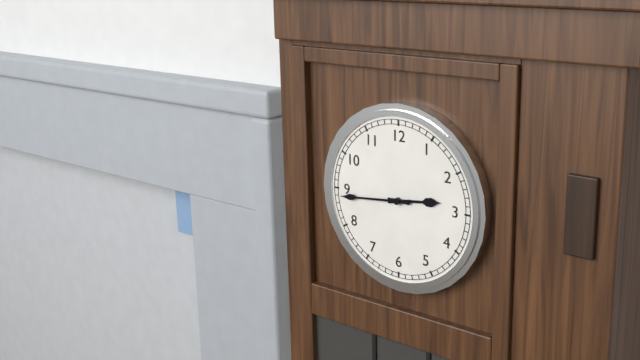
{"hour": 2, "minute": 44}
